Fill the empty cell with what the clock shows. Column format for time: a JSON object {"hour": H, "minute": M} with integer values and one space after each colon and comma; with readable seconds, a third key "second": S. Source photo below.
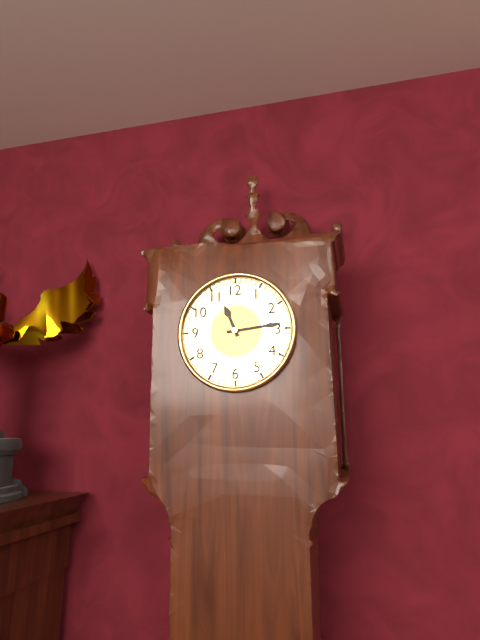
{"hour": 11, "minute": 14}
